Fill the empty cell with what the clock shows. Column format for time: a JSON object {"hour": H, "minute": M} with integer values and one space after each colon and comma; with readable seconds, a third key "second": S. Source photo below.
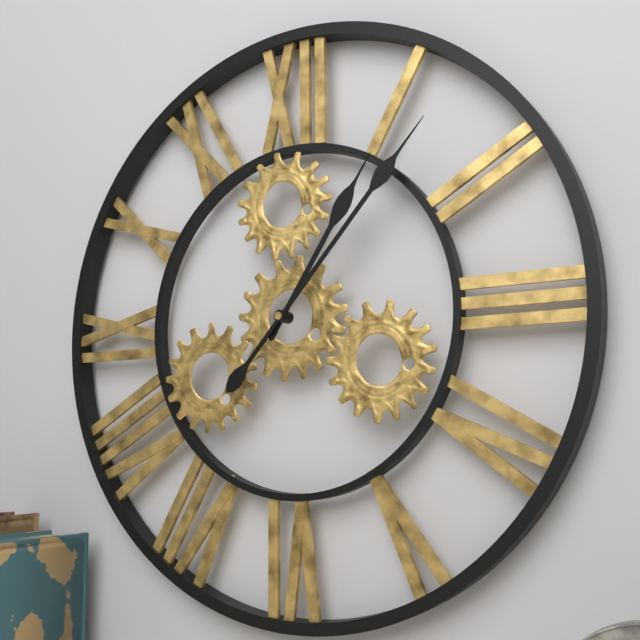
{"hour": 1, "minute": 7}
